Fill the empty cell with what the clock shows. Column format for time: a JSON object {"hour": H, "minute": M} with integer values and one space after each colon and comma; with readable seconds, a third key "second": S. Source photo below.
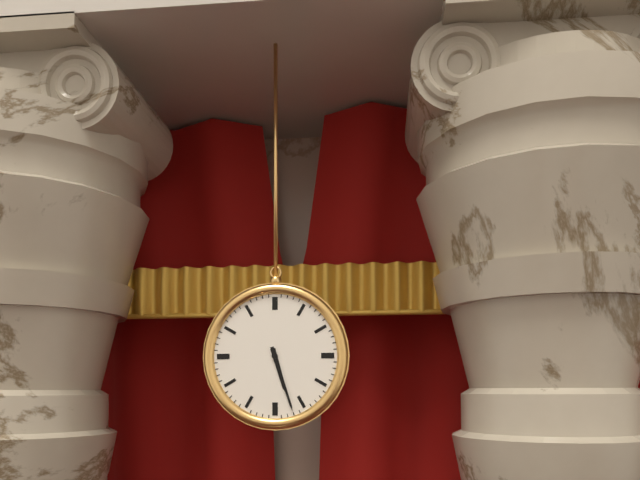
{"hour": 5, "minute": 27}
